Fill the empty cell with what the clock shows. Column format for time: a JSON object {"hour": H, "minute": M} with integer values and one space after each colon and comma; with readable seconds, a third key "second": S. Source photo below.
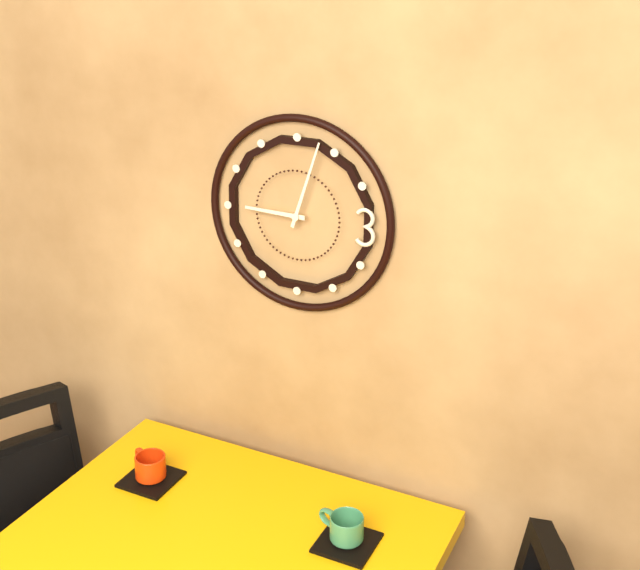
{"hour": 9, "minute": 3}
